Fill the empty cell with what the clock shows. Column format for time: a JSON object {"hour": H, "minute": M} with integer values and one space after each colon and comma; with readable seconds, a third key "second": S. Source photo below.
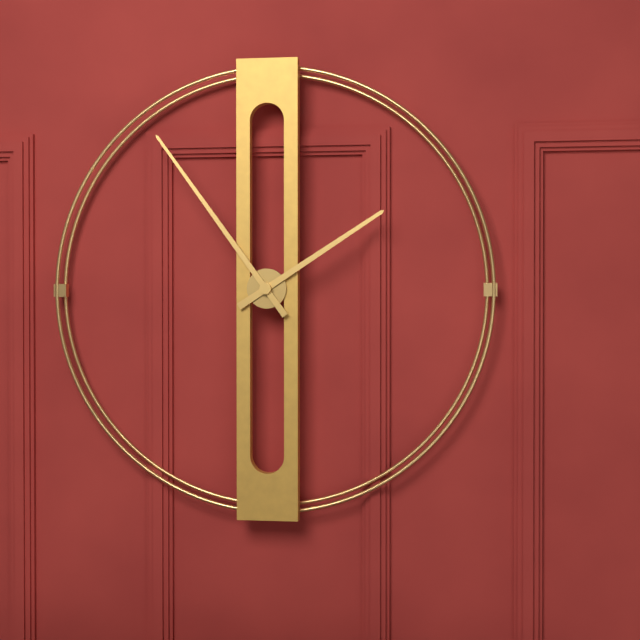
{"hour": 1, "minute": 54}
